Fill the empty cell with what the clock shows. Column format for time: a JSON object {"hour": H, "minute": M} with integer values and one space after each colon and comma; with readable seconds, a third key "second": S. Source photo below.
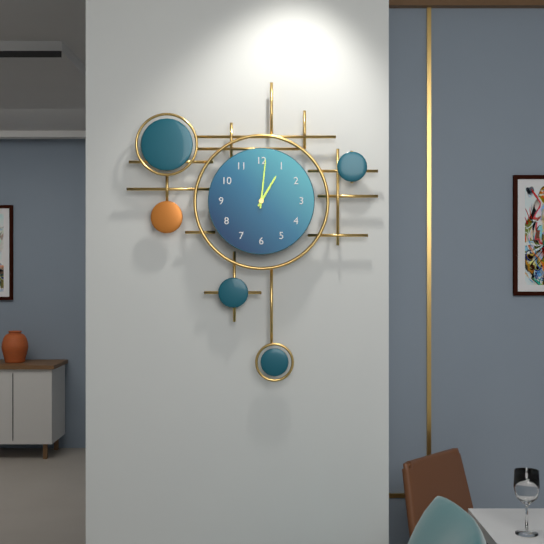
{"hour": 1, "minute": 1}
